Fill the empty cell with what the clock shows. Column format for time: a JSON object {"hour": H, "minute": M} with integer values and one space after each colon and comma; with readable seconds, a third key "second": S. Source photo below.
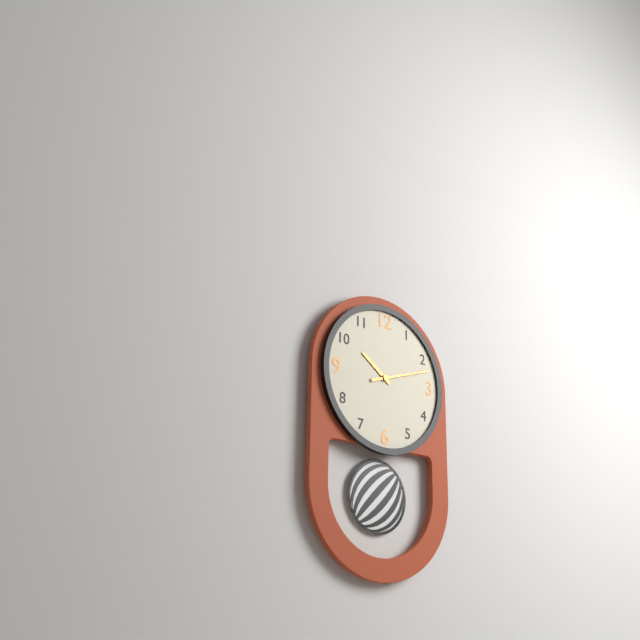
{"hour": 10, "minute": 12}
